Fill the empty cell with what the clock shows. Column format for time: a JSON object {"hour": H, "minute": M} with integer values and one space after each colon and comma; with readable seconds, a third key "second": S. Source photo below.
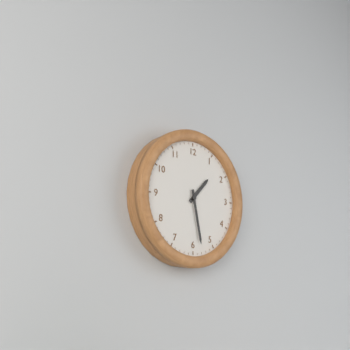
{"hour": 1, "minute": 28}
